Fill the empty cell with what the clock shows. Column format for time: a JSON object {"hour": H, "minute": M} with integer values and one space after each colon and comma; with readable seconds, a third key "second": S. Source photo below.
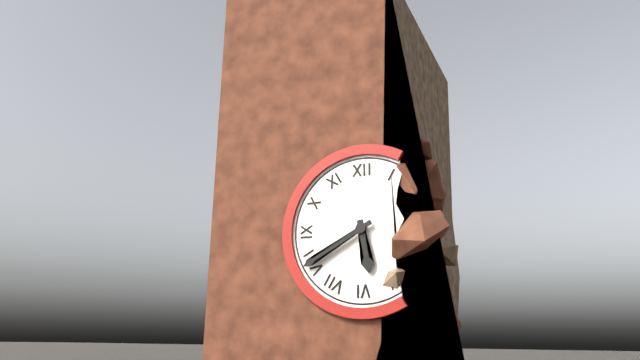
{"hour": 5, "minute": 40}
